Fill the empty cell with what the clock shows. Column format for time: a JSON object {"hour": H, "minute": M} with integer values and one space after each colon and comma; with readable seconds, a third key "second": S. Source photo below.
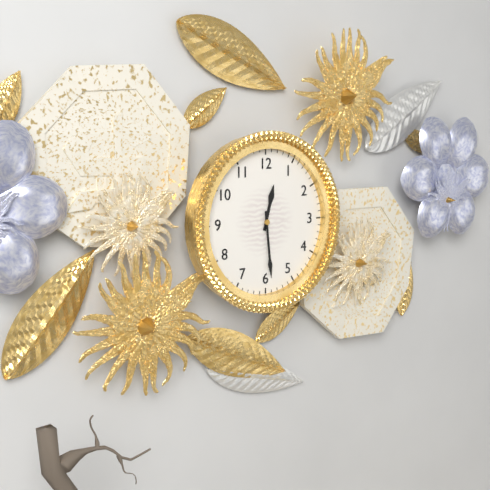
{"hour": 12, "minute": 29}
